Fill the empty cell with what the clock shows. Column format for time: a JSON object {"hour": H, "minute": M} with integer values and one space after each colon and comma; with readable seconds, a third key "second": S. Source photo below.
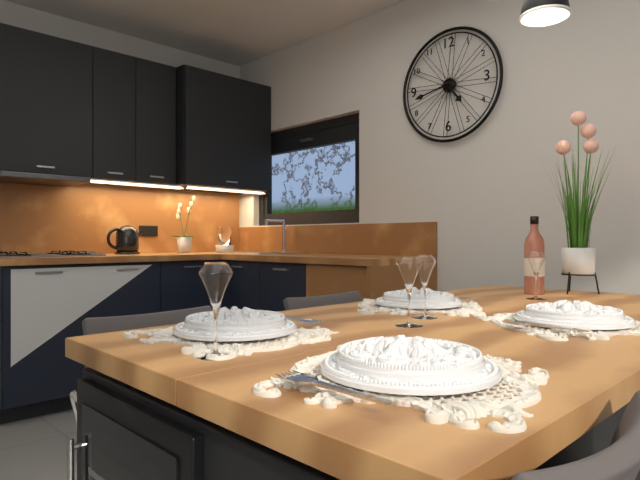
{"hour": 4, "minute": 43}
